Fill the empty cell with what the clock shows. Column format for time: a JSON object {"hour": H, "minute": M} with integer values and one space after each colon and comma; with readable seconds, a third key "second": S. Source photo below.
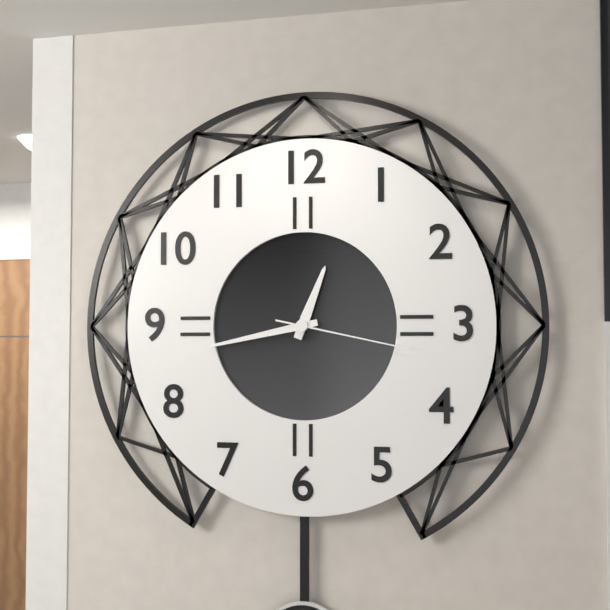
{"hour": 12, "minute": 43, "second": 17}
